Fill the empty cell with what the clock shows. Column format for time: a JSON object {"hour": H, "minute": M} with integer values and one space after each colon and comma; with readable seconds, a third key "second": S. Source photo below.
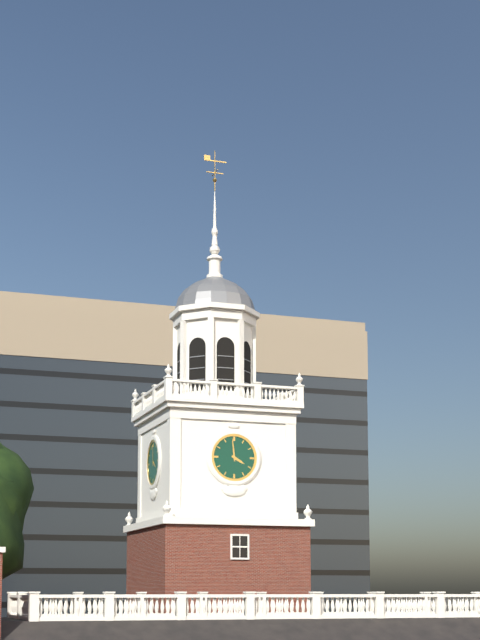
{"hour": 3, "minute": 59}
